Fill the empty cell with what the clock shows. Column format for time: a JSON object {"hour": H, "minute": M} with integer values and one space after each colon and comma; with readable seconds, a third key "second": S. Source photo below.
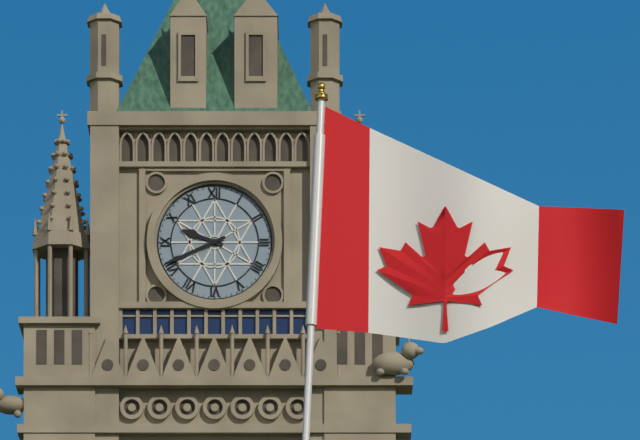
{"hour": 9, "minute": 41}
